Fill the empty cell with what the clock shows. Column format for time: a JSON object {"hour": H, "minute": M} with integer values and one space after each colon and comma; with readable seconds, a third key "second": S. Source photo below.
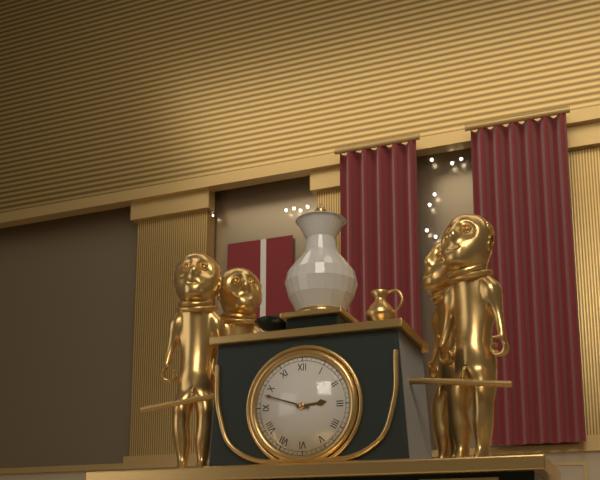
{"hour": 2, "minute": 48}
